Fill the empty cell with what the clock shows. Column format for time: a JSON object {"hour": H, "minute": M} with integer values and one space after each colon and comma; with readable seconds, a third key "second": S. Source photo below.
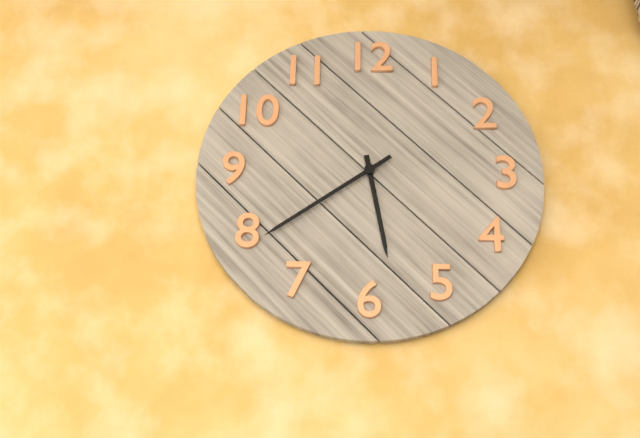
{"hour": 5, "minute": 39}
